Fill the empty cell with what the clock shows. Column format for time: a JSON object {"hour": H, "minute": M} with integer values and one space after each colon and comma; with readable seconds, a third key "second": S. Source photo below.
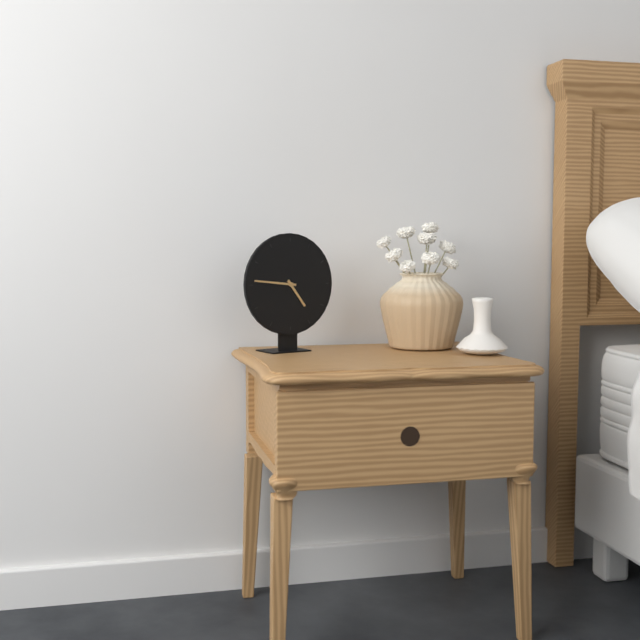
{"hour": 4, "minute": 46}
